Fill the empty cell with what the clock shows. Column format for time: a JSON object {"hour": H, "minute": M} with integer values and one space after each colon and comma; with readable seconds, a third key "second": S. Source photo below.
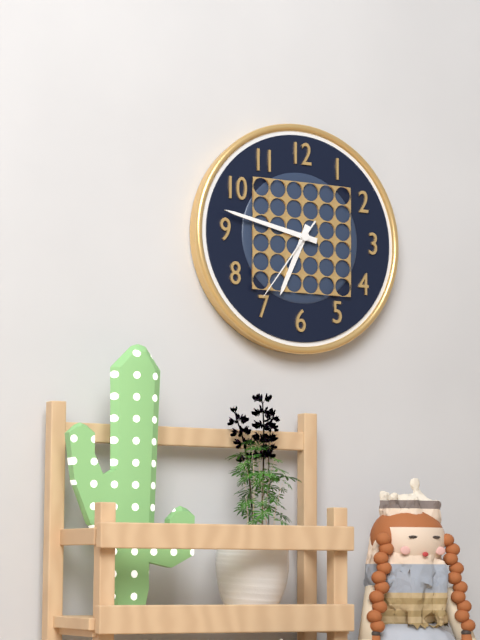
{"hour": 6, "minute": 47, "second": 36}
